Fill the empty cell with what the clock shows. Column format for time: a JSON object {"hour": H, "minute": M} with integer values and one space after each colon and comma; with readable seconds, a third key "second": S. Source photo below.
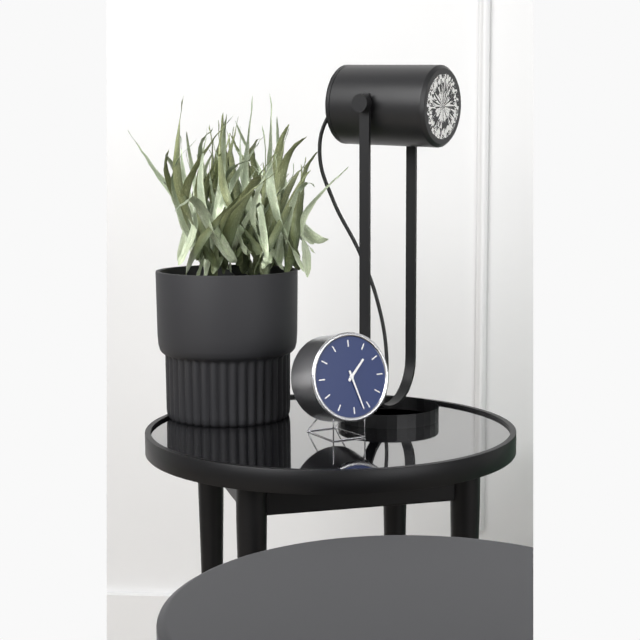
{"hour": 1, "minute": 27}
